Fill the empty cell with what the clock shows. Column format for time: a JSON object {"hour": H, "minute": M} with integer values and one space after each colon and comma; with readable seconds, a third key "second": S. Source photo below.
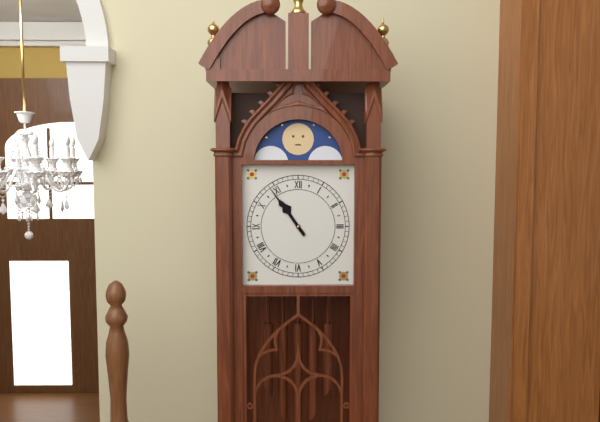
{"hour": 10, "minute": 54}
